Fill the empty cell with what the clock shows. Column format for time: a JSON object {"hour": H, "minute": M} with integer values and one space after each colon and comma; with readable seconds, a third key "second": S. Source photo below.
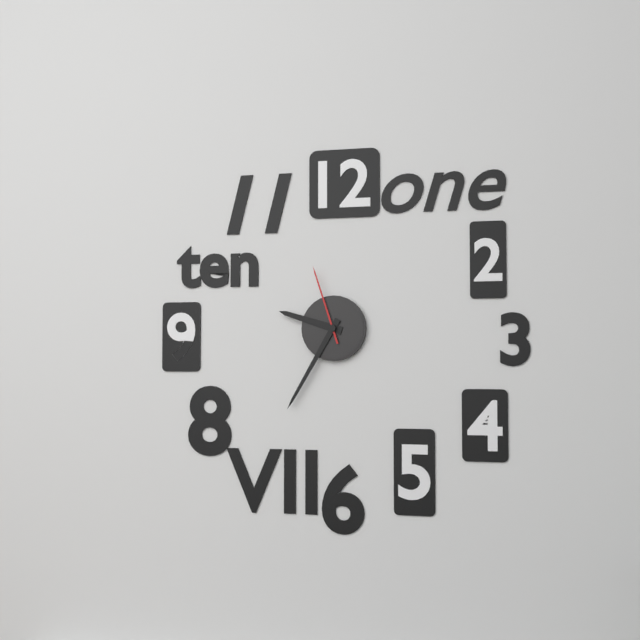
{"hour": 9, "minute": 35, "second": 57}
